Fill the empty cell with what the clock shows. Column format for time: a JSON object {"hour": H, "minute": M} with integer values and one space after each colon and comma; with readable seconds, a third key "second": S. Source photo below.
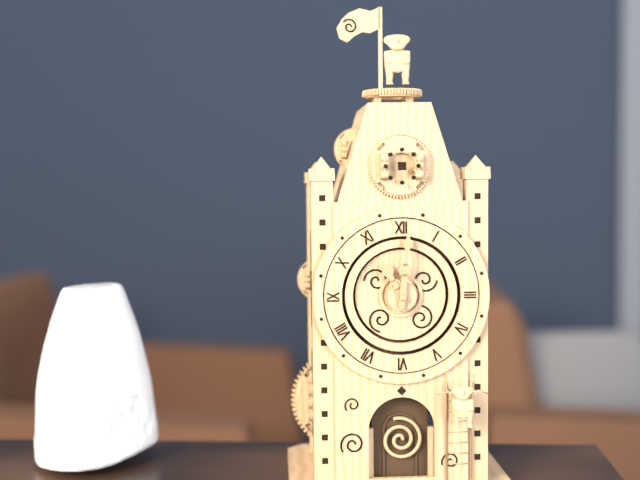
{"hour": 11, "minute": 1}
